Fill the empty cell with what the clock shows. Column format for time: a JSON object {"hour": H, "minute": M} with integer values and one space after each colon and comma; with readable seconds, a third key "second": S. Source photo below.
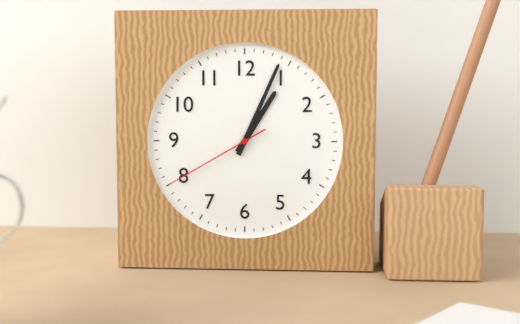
{"hour": 1, "minute": 4, "second": 40}
